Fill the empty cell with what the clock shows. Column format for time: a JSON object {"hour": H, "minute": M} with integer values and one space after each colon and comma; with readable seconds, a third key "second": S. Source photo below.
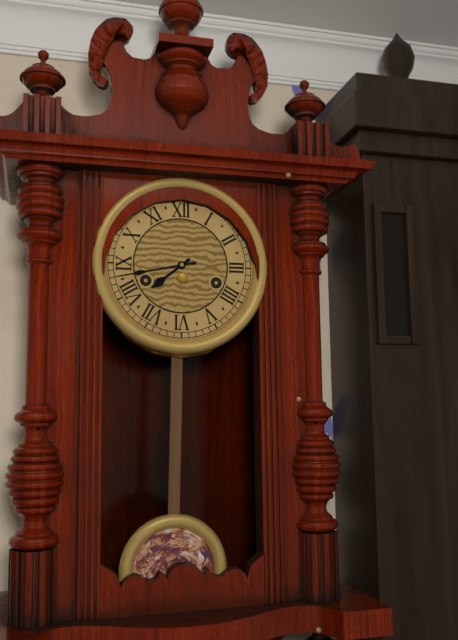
{"hour": 7, "minute": 43}
